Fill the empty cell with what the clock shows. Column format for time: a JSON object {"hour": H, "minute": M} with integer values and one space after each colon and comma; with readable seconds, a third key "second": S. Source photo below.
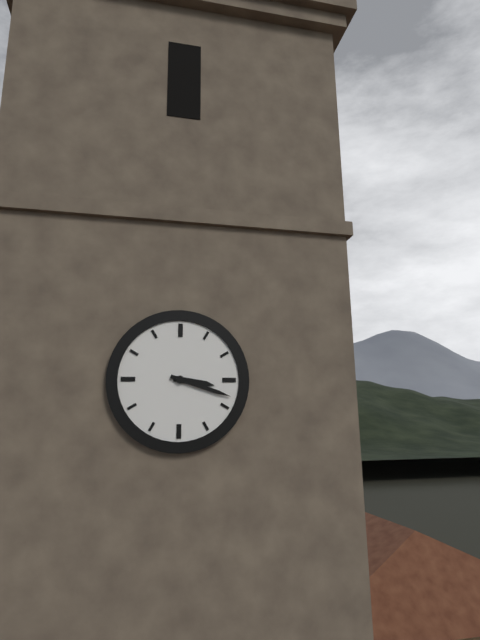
{"hour": 3, "minute": 18}
